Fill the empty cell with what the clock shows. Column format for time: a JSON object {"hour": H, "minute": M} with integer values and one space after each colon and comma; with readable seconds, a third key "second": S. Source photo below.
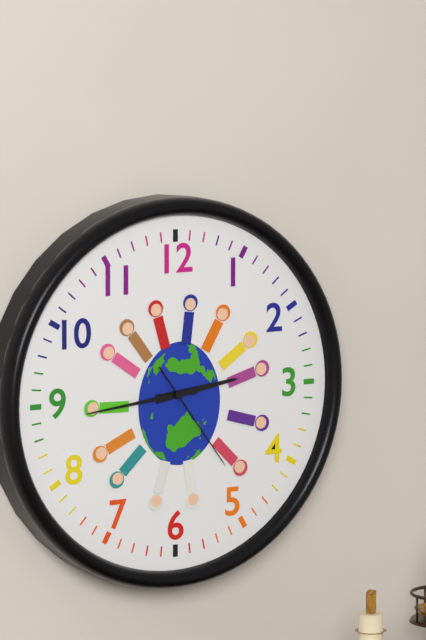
{"hour": 2, "minute": 44, "second": 24}
